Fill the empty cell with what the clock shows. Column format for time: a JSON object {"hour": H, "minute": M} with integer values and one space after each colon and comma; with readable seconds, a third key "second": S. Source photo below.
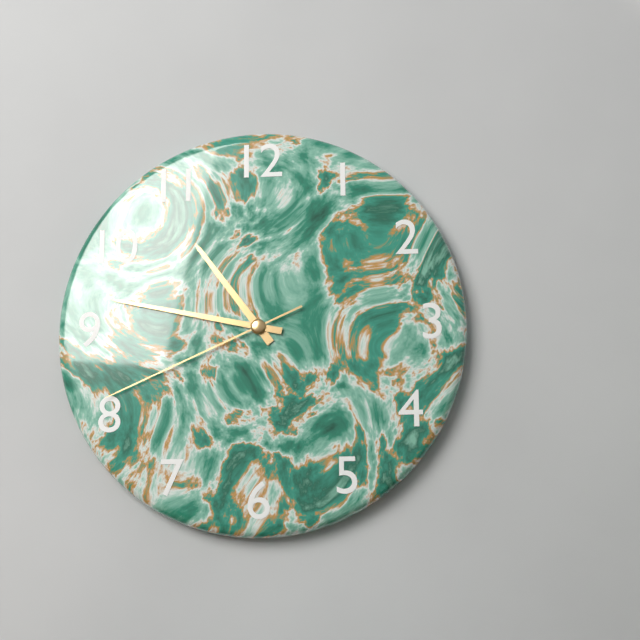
{"hour": 10, "minute": 47, "second": 41}
